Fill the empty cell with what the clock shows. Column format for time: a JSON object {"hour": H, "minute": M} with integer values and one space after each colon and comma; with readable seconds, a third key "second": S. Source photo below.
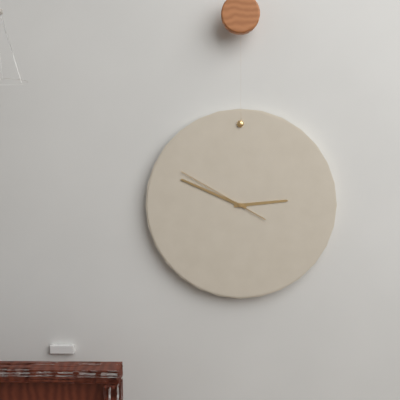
{"hour": 2, "minute": 49, "second": 50}
